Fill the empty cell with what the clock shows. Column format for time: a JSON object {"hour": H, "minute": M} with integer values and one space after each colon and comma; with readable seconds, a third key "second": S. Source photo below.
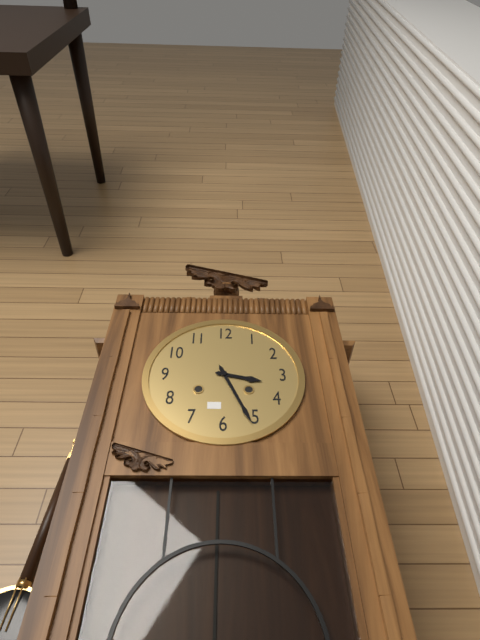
{"hour": 3, "minute": 26}
